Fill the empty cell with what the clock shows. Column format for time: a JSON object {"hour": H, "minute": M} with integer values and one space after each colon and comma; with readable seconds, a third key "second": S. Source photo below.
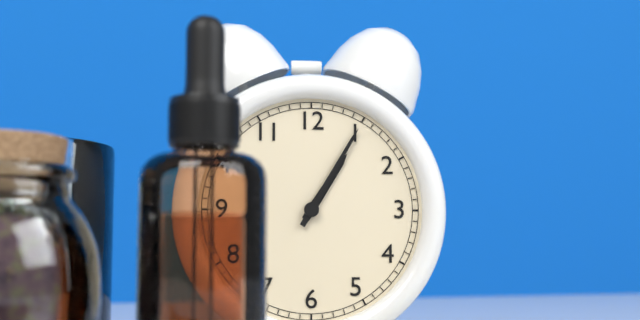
{"hour": 1, "minute": 5}
